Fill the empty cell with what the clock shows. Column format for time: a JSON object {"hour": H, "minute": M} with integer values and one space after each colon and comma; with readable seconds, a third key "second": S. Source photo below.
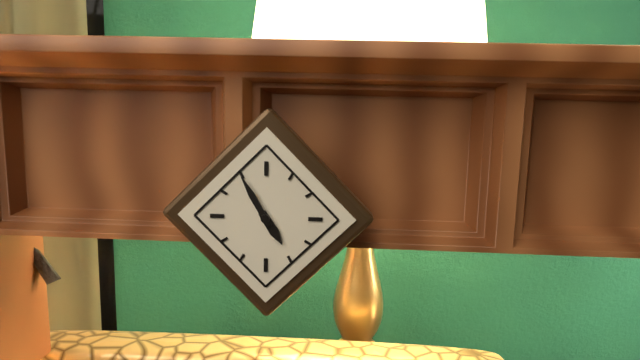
{"hour": 4, "minute": 55}
